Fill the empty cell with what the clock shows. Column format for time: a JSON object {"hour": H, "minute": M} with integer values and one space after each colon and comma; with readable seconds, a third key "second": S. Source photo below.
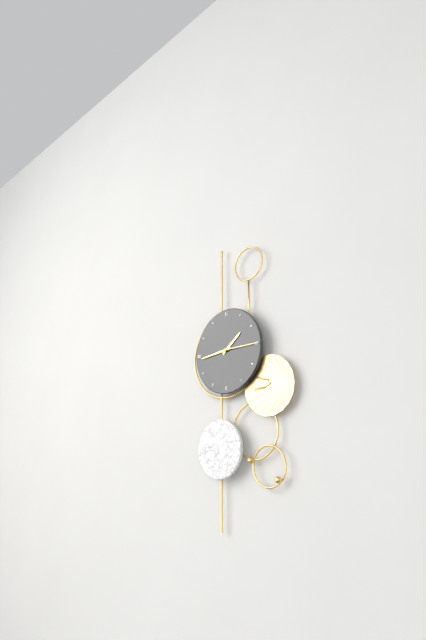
{"hour": 1, "minute": 44}
